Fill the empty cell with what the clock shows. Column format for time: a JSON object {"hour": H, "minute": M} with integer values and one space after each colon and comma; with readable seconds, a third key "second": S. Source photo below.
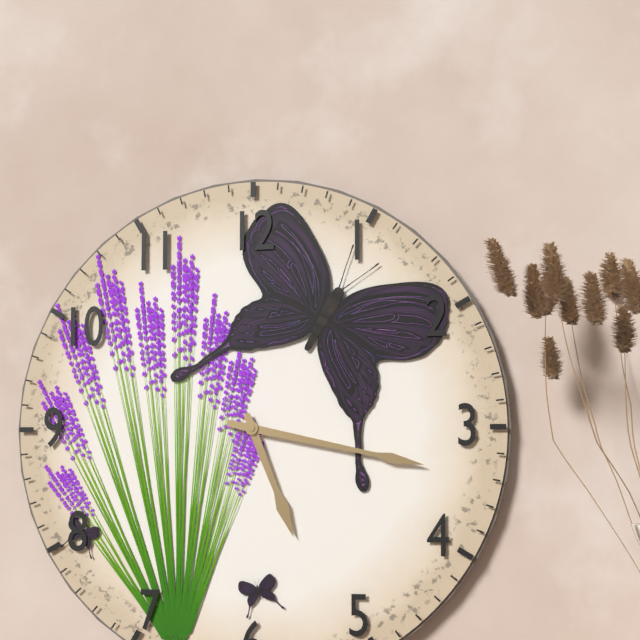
{"hour": 5, "minute": 17}
